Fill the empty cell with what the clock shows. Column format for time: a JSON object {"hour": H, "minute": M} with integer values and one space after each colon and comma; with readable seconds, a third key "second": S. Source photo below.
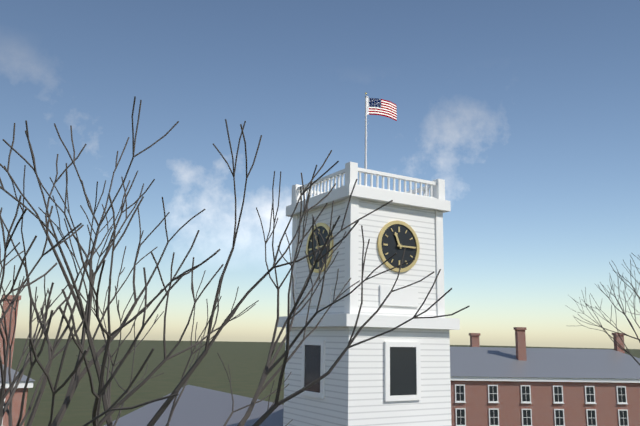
{"hour": 11, "minute": 15}
